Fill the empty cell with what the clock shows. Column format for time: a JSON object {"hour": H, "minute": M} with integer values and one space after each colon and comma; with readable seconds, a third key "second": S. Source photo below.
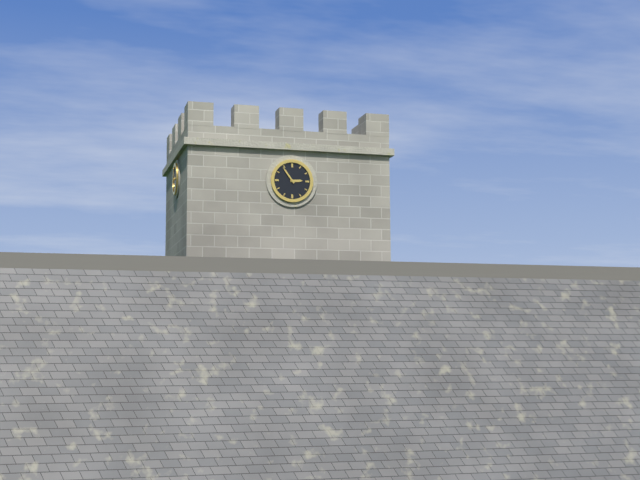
{"hour": 2, "minute": 54}
